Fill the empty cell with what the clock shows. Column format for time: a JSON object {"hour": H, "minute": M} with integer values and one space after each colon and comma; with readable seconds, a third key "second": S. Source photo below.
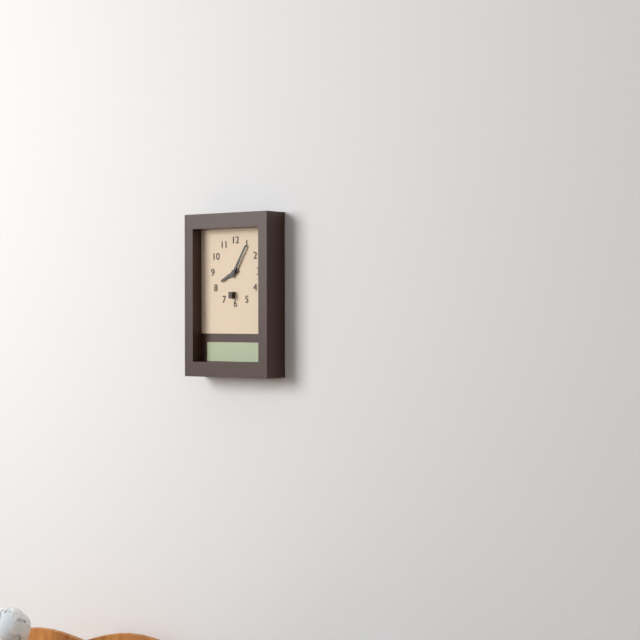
{"hour": 8, "minute": 5}
